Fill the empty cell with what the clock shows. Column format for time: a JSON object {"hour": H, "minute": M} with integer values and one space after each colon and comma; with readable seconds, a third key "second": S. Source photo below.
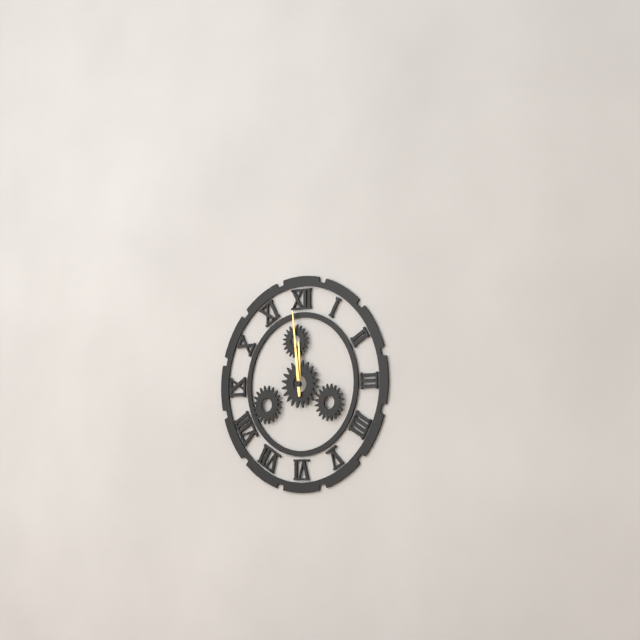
{"hour": 11, "minute": 59}
